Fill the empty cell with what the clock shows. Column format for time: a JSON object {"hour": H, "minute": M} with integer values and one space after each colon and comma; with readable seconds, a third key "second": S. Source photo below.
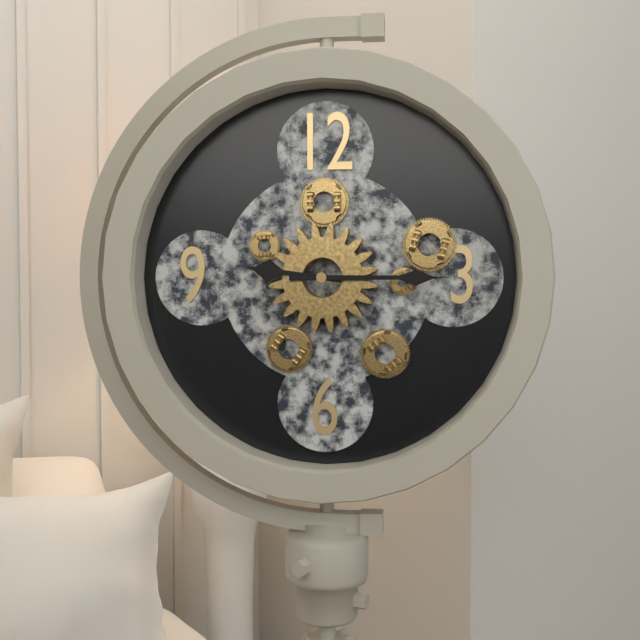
{"hour": 9, "minute": 15}
